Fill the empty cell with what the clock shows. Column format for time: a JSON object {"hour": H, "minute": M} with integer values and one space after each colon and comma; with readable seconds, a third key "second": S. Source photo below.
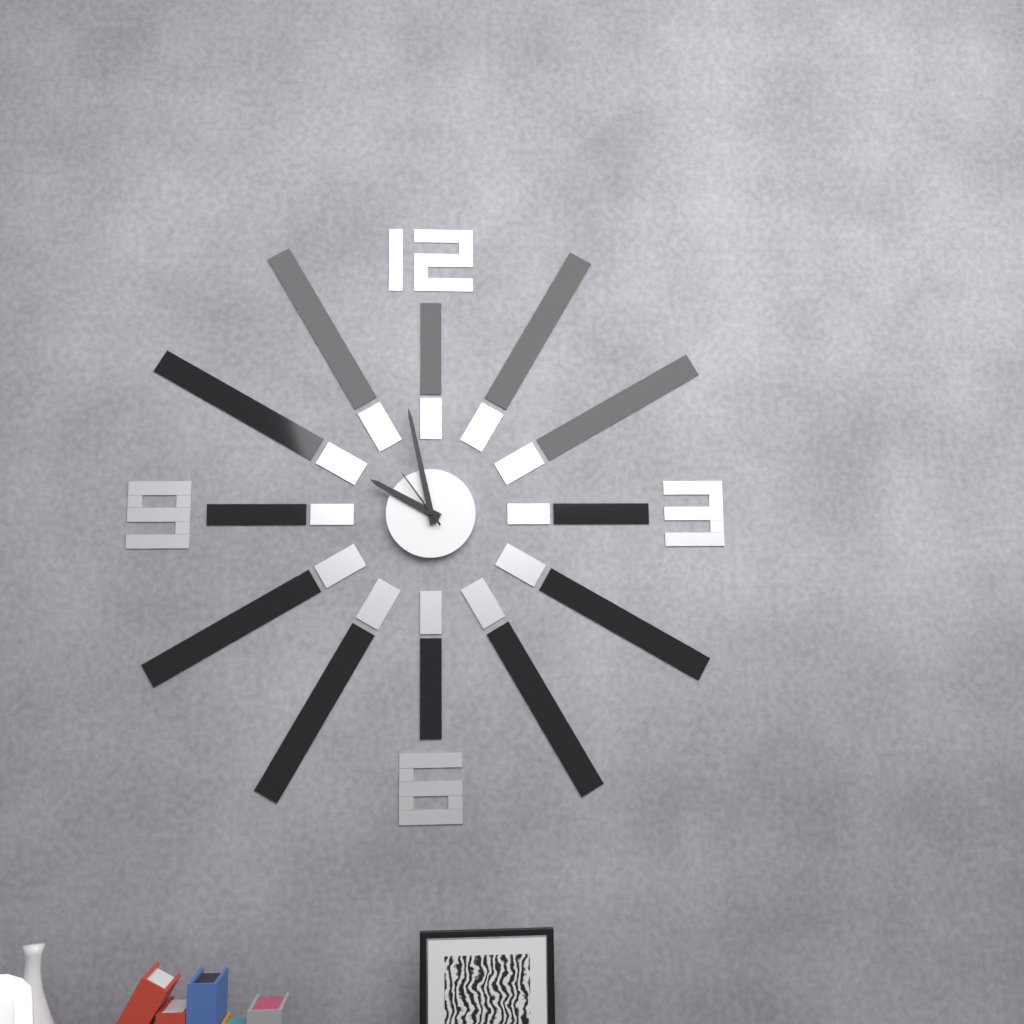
{"hour": 9, "minute": 58, "second": 54}
